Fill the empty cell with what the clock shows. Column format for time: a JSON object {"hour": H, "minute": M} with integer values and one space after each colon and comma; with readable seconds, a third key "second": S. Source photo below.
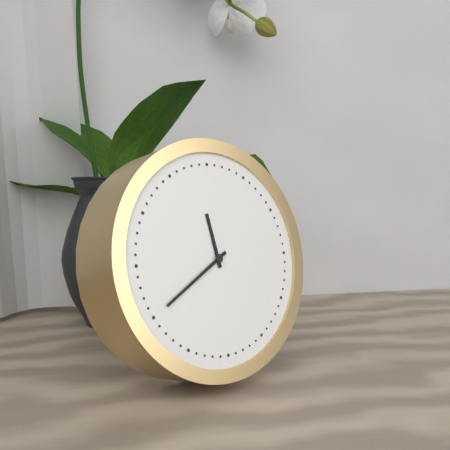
{"hour": 11, "minute": 40}
